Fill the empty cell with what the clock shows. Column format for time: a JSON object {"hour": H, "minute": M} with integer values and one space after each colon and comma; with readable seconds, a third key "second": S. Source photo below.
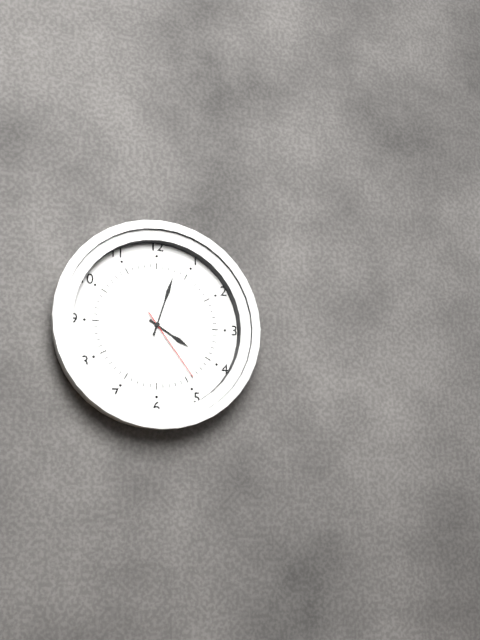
{"hour": 4, "minute": 3, "second": 24}
